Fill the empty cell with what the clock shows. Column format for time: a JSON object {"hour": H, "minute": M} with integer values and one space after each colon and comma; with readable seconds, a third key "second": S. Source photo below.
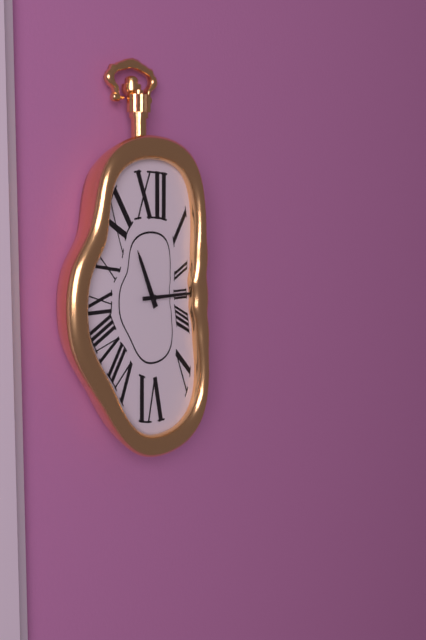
{"hour": 11, "minute": 15}
